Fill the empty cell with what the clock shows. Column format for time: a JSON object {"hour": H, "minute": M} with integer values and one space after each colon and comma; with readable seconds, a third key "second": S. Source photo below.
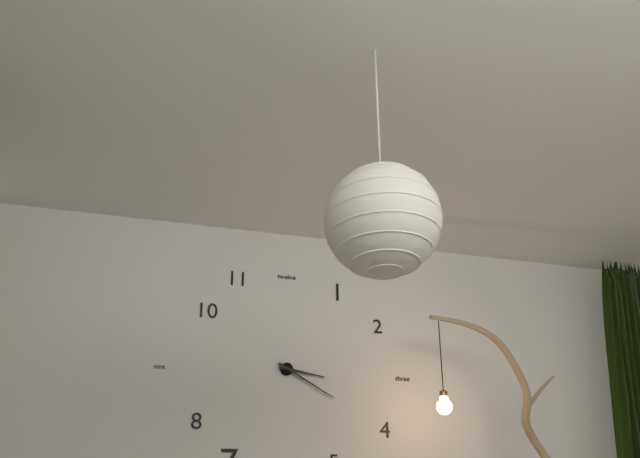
{"hour": 3, "minute": 20}
